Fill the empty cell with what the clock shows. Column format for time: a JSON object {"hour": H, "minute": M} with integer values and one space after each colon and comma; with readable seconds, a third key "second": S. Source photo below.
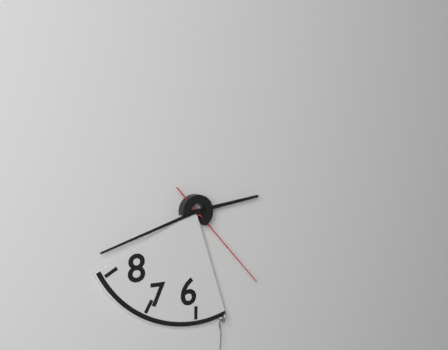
{"hour": 2, "minute": 42, "second": 23}
